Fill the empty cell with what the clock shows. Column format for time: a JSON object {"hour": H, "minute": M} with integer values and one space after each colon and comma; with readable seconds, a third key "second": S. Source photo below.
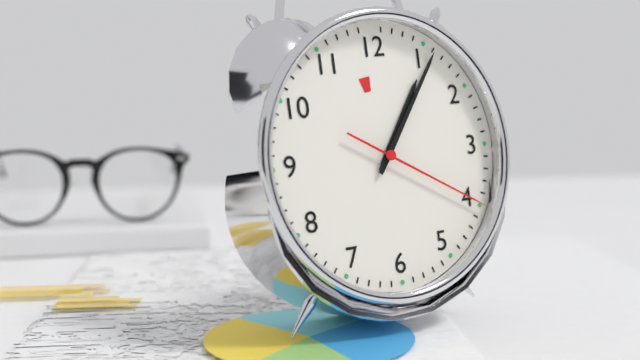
{"hour": 1, "minute": 6, "second": 20}
